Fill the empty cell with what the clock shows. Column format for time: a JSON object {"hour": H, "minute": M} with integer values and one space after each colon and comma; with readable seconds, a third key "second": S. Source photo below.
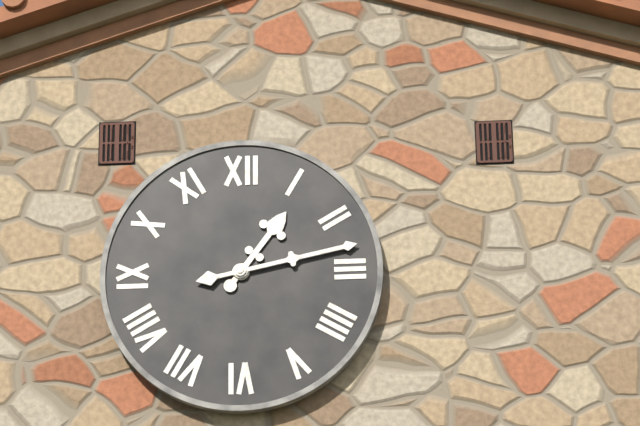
{"hour": 1, "minute": 13}
